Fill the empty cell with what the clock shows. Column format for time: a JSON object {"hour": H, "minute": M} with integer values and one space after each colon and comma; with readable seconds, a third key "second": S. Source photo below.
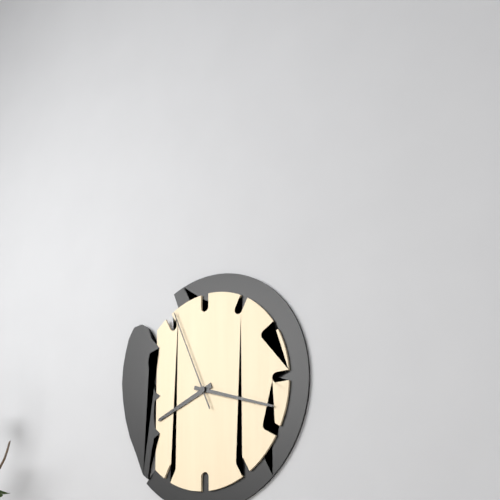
{"hour": 8, "minute": 18, "second": 56}
